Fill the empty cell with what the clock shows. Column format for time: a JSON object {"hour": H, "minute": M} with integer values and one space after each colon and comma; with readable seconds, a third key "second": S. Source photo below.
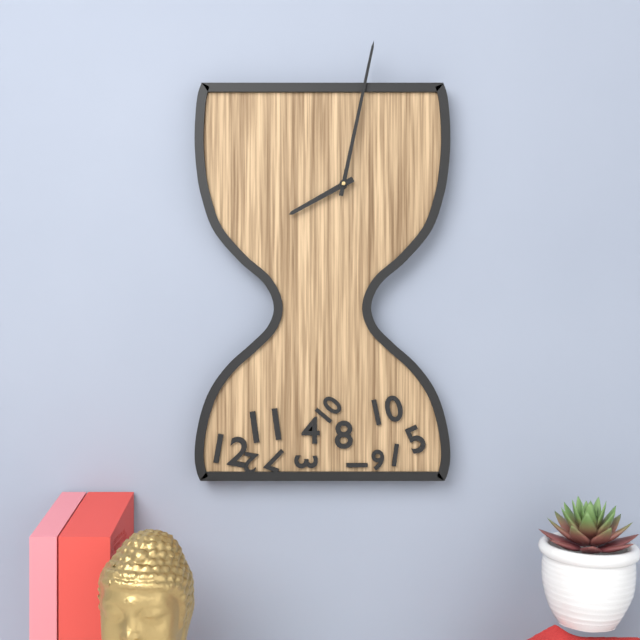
{"hour": 8, "minute": 2}
